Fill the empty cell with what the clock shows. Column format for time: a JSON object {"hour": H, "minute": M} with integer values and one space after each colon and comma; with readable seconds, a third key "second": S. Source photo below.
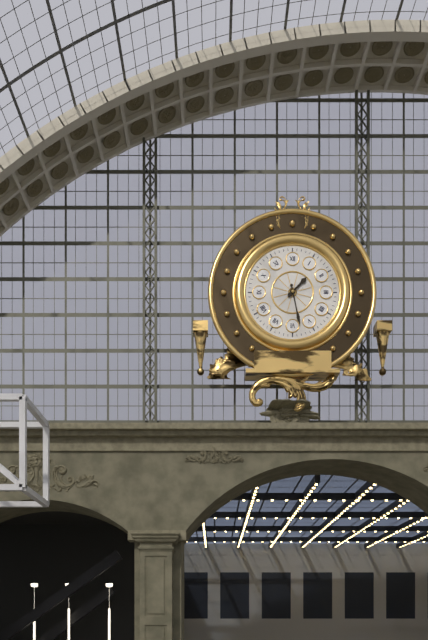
{"hour": 1, "minute": 28}
